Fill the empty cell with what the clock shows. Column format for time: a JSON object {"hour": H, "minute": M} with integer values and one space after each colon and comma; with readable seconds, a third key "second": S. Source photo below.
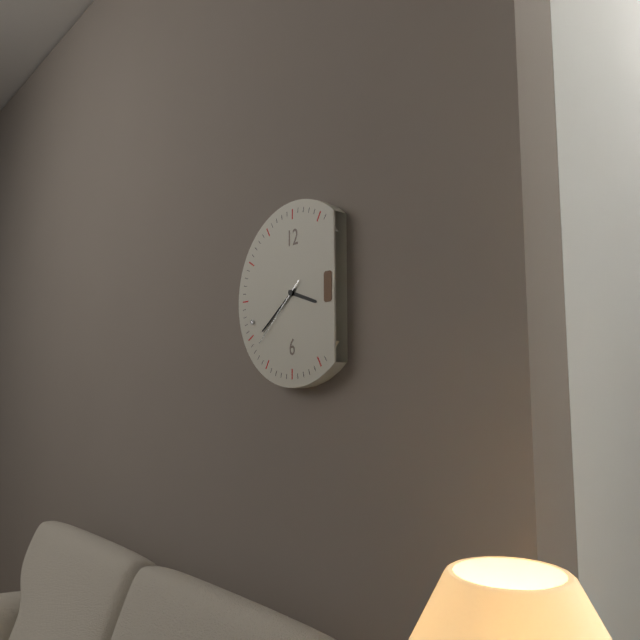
{"hour": 3, "minute": 39, "second": 38}
